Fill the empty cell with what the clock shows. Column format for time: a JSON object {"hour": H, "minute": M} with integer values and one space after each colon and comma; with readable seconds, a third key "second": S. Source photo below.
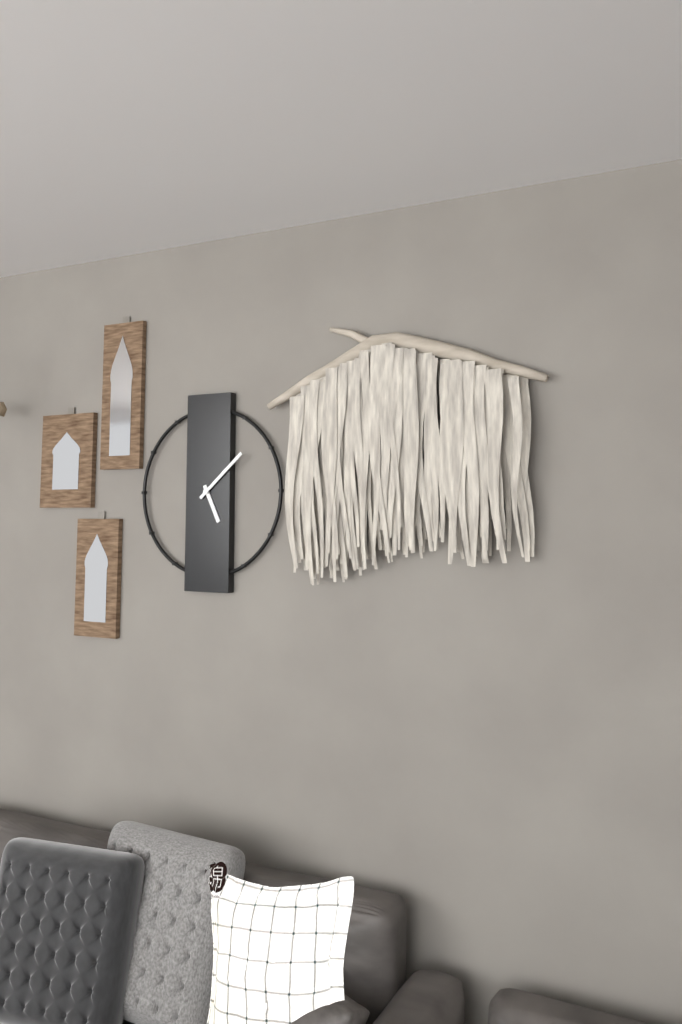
{"hour": 5, "minute": 8}
